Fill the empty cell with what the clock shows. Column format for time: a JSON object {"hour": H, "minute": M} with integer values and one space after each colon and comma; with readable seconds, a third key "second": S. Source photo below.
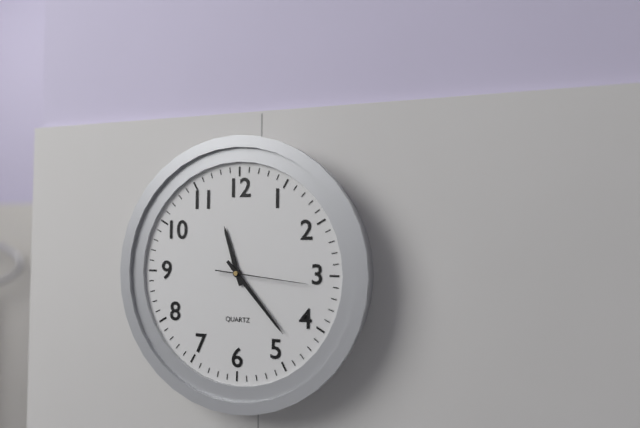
{"hour": 11, "minute": 23, "second": 16}
